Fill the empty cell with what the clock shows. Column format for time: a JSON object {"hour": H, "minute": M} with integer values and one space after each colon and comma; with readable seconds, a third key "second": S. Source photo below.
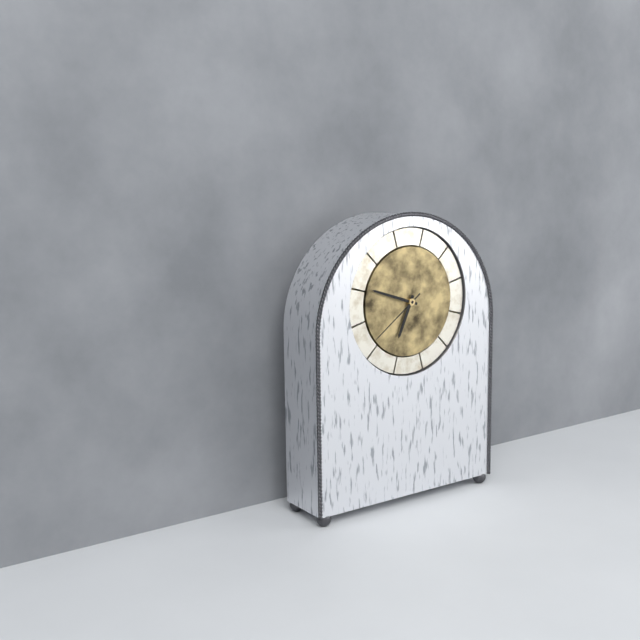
{"hour": 6, "minute": 48, "second": 39}
